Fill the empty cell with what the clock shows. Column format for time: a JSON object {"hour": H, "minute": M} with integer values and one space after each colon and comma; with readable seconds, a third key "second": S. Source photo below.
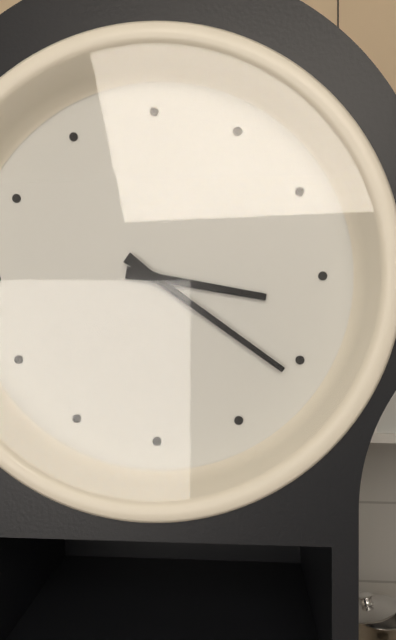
{"hour": 3, "minute": 21}
